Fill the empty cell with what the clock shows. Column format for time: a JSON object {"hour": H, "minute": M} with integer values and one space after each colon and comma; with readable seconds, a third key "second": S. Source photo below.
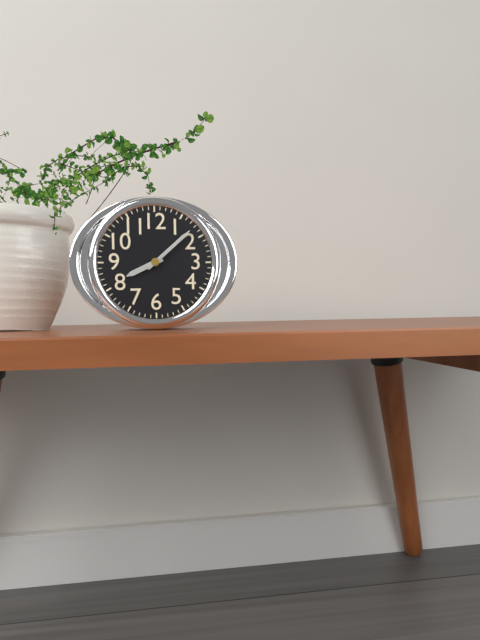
{"hour": 8, "minute": 8}
